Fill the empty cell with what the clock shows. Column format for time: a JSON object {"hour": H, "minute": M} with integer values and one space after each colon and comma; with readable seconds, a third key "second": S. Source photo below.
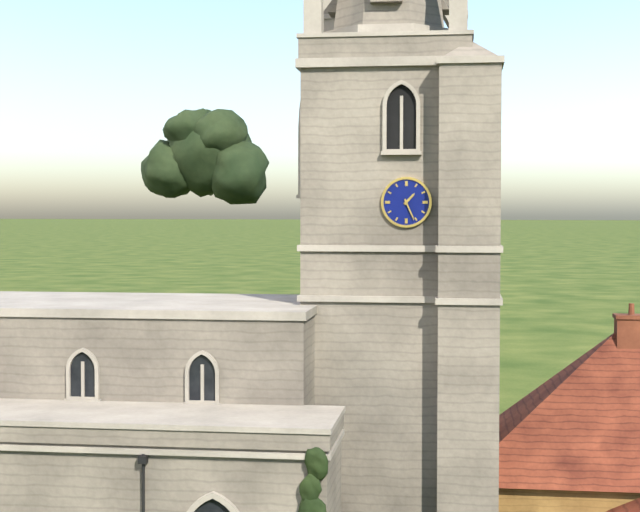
{"hour": 1, "minute": 26}
